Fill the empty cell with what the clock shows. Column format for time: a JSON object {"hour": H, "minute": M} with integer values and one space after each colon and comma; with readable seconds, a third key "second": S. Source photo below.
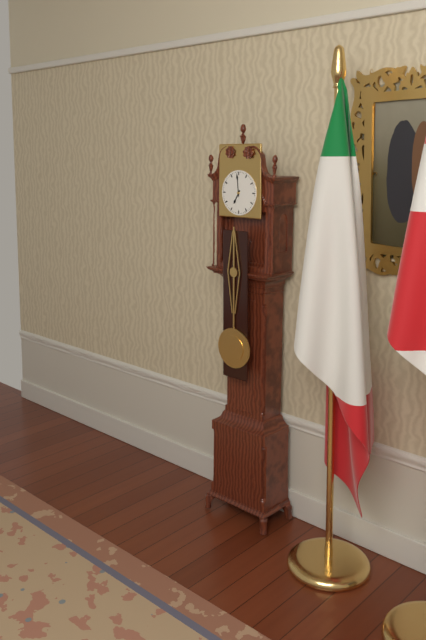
{"hour": 6, "minute": 59}
